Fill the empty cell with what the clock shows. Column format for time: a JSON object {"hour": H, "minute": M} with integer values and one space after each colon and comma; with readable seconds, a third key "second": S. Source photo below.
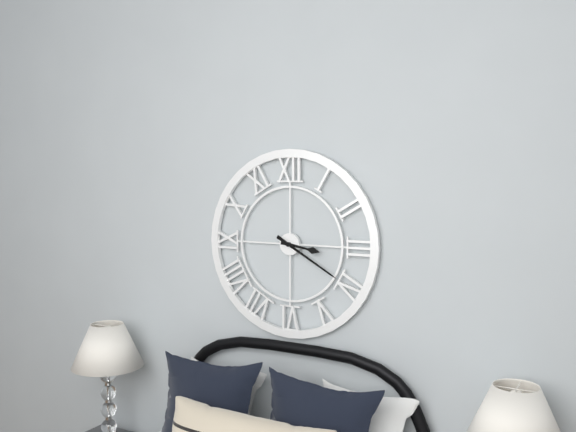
{"hour": 3, "minute": 20}
